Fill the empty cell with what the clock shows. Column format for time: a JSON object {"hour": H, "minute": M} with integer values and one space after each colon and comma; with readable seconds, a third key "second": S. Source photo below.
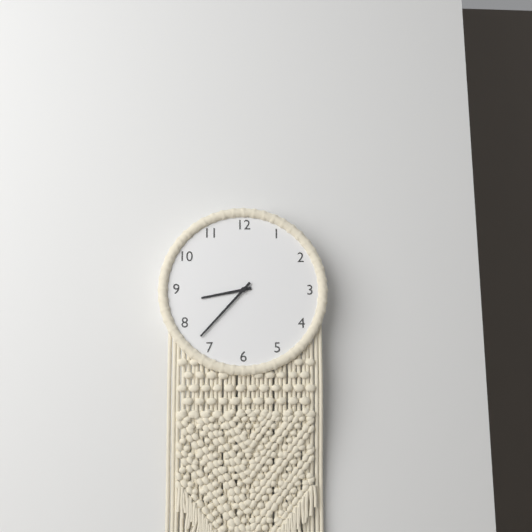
{"hour": 8, "minute": 37}
